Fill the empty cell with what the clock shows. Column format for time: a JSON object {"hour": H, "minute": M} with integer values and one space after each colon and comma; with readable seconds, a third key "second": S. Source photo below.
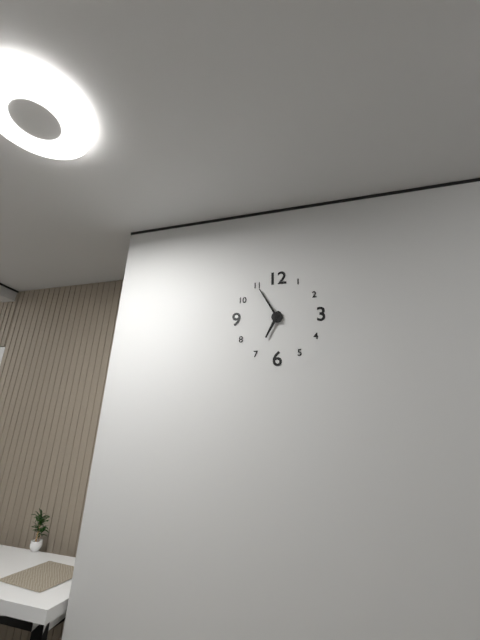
{"hour": 6, "minute": 55}
